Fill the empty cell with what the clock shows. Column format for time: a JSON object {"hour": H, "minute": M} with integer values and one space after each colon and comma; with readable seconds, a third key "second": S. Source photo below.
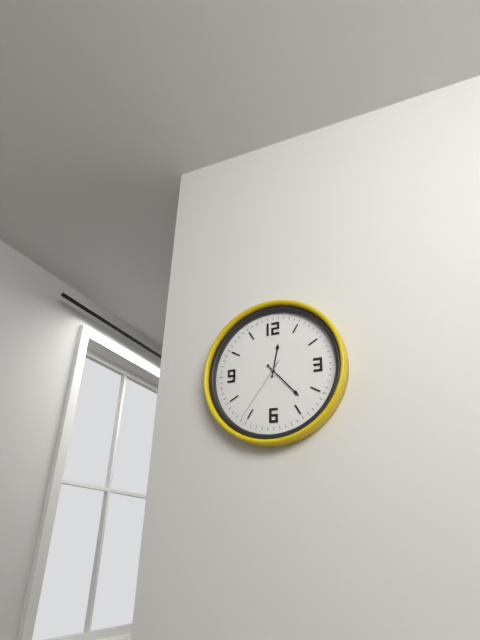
{"hour": 12, "minute": 23, "second": 36}
